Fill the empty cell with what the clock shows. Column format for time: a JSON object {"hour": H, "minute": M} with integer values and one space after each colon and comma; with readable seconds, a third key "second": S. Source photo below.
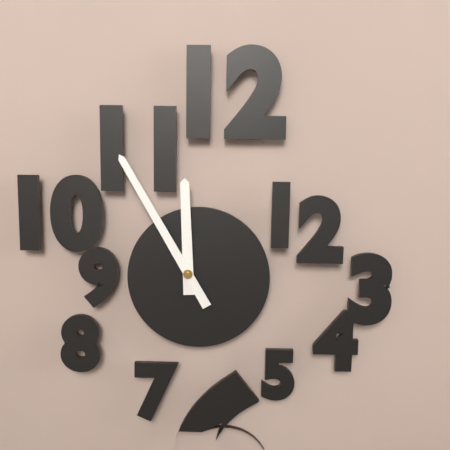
{"hour": 11, "minute": 55}
